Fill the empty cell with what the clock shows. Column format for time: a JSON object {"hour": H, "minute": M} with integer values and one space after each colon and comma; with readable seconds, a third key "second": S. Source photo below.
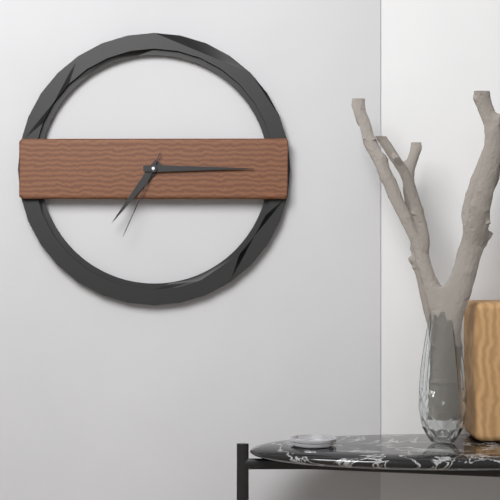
{"hour": 7, "minute": 15, "second": 34}
